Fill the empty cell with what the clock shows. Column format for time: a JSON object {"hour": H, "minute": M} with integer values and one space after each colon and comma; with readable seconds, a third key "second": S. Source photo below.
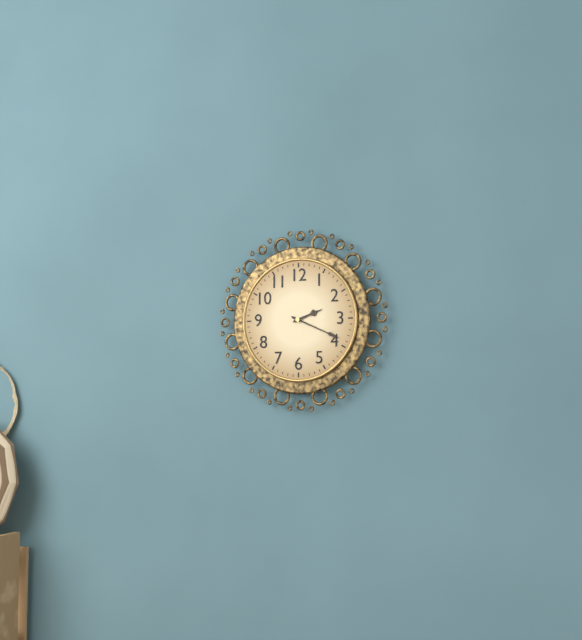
{"hour": 2, "minute": 19}
